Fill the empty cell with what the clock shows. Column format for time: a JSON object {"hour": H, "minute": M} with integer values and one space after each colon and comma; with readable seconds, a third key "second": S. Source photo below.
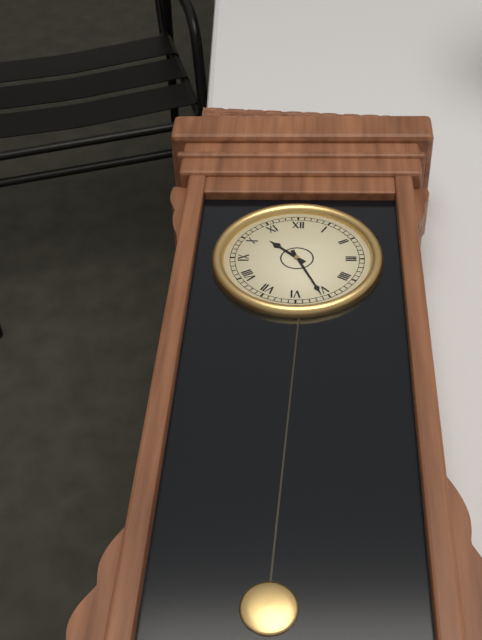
{"hour": 10, "minute": 26}
